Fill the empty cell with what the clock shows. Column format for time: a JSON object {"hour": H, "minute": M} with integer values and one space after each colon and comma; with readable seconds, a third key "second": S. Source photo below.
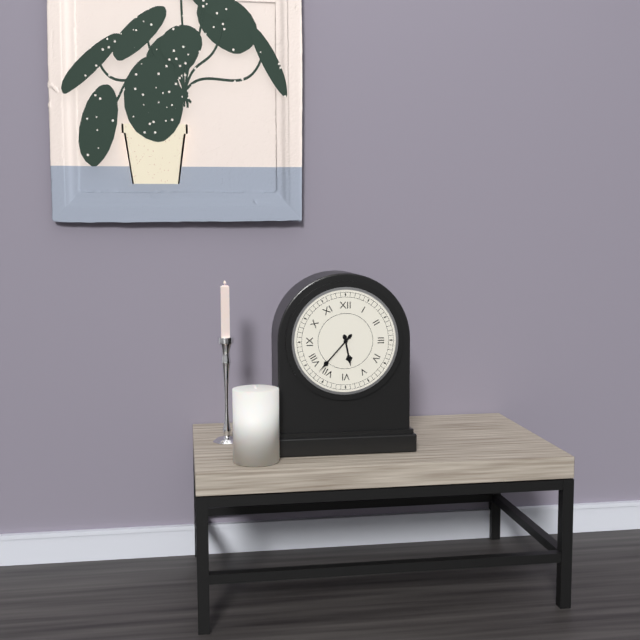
{"hour": 5, "minute": 37}
